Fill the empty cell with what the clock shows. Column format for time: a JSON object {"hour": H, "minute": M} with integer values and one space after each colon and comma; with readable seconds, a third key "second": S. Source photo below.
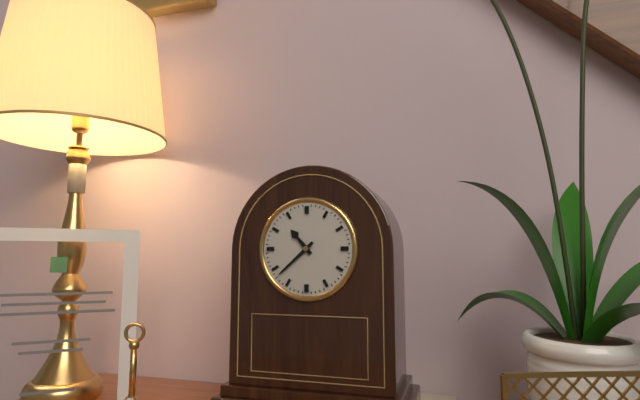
{"hour": 10, "minute": 38}
